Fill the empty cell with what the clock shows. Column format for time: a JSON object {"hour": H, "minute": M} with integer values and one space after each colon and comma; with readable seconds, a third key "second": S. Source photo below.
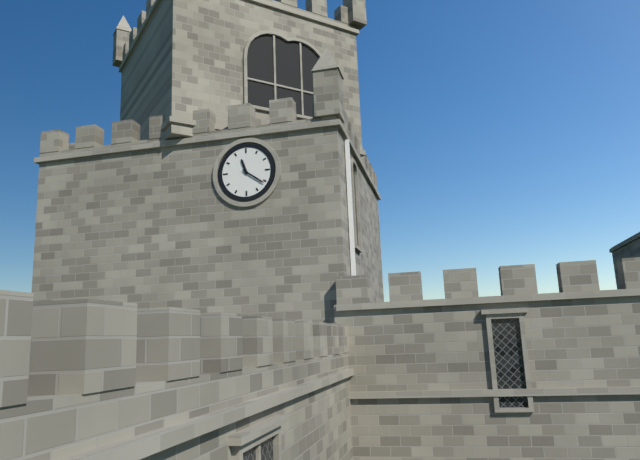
{"hour": 11, "minute": 21}
